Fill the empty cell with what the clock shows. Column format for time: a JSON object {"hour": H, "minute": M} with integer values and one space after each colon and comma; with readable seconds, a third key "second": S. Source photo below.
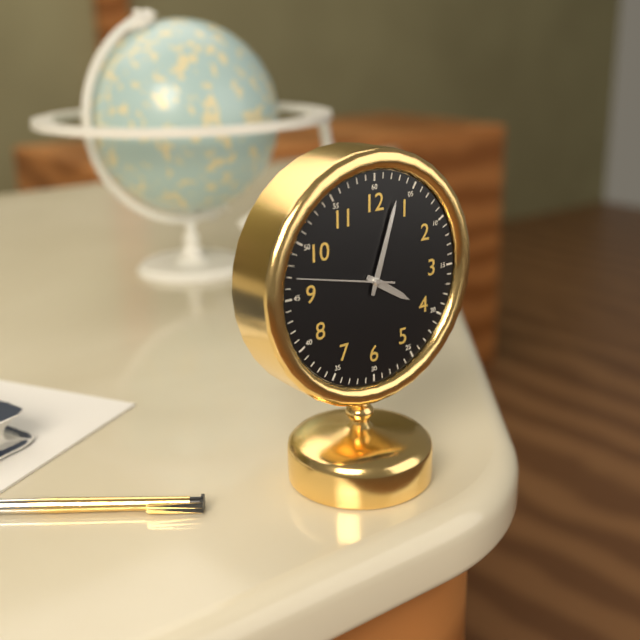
{"hour": 4, "minute": 3, "second": 47}
